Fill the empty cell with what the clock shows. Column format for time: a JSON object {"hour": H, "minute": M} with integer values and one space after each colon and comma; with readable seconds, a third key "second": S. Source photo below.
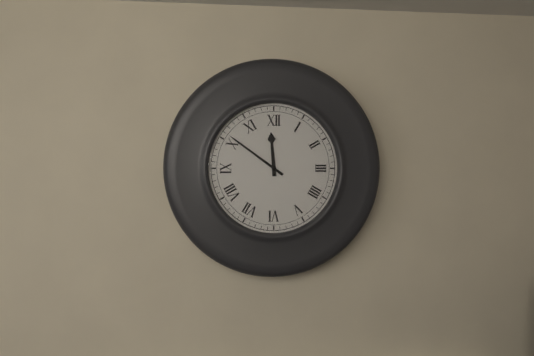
{"hour": 11, "minute": 51}
